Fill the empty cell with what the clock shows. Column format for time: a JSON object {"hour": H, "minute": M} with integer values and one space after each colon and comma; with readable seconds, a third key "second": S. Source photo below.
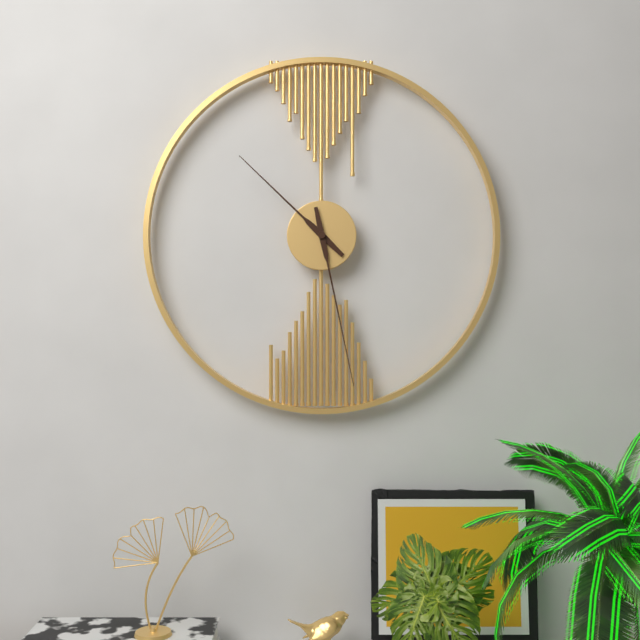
{"hour": 10, "minute": 28}
